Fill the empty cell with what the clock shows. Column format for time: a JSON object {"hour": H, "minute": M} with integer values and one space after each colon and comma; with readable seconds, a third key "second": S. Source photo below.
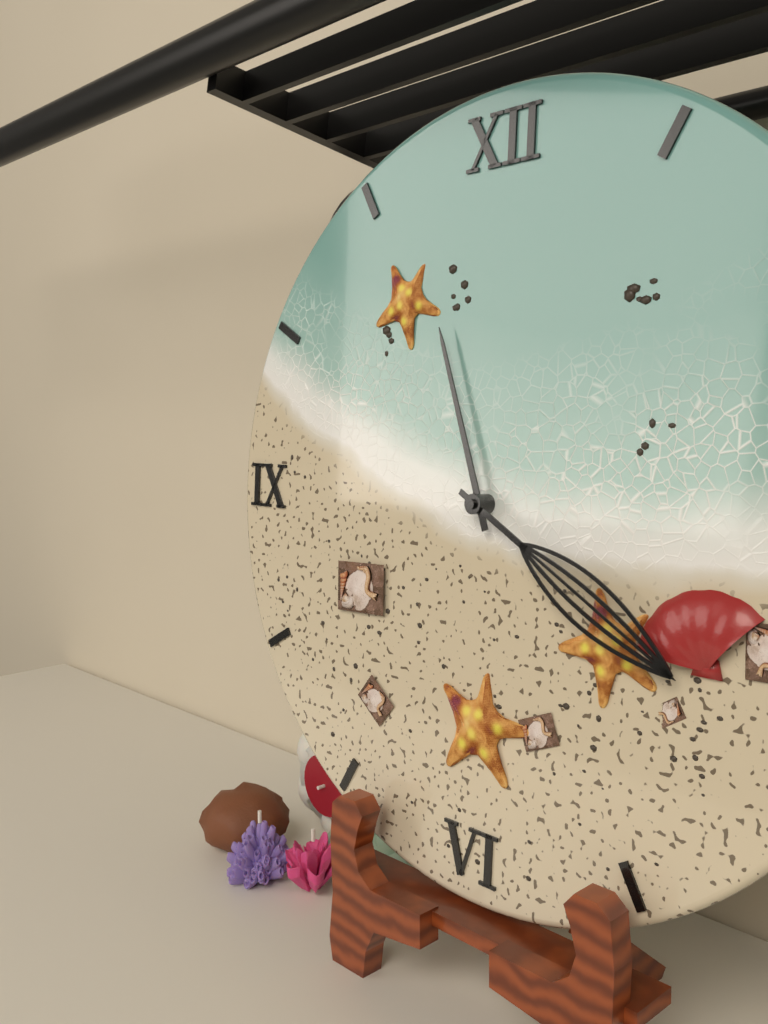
{"hour": 11, "minute": 20}
